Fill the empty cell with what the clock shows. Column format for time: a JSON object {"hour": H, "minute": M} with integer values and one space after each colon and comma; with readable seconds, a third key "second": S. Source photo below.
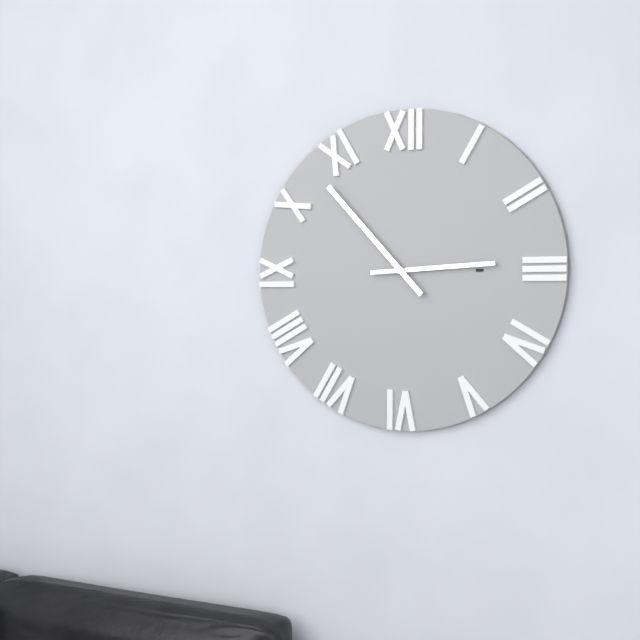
{"hour": 2, "minute": 53}
